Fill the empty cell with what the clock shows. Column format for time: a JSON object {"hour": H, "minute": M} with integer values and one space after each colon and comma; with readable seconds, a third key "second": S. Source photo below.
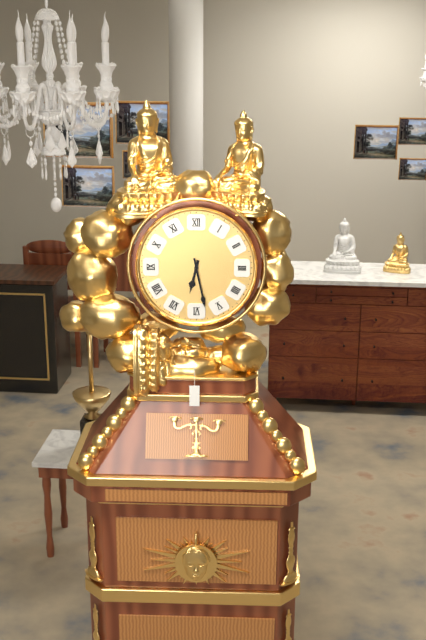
{"hour": 6, "minute": 28}
